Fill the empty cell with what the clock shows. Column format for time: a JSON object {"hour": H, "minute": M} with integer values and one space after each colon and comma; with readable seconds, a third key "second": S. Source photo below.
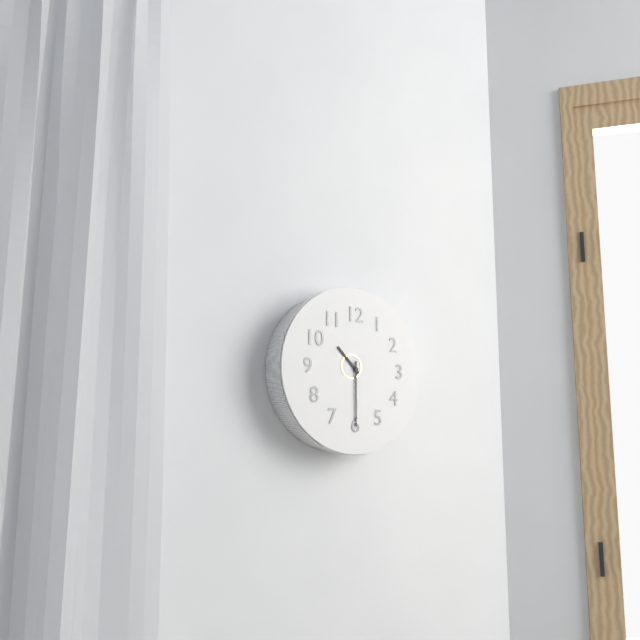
{"hour": 10, "minute": 30}
